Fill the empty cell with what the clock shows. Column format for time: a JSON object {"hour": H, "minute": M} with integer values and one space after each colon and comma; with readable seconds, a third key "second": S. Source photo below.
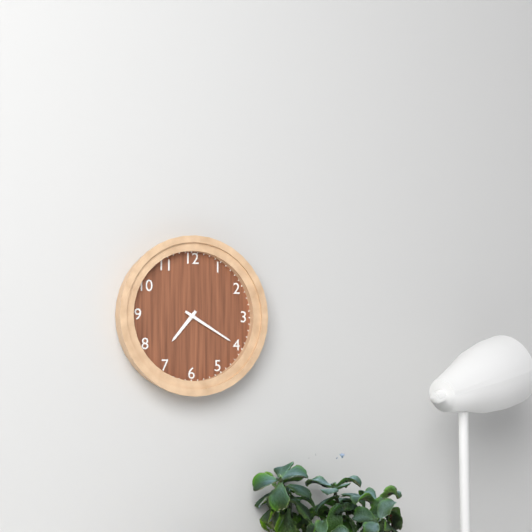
{"hour": 7, "minute": 20}
